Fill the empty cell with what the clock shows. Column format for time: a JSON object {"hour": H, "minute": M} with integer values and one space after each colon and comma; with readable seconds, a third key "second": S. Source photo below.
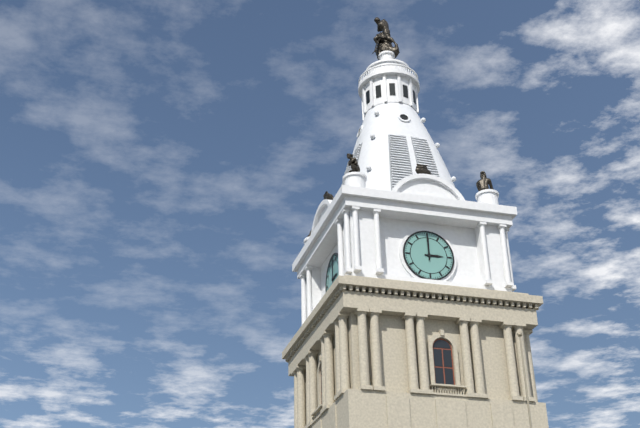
{"hour": 3, "minute": 0}
